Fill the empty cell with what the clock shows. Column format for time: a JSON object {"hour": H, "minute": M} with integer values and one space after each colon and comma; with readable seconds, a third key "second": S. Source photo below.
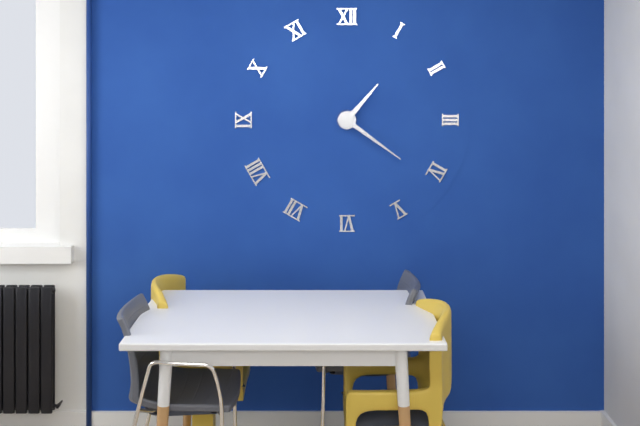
{"hour": 1, "minute": 21}
